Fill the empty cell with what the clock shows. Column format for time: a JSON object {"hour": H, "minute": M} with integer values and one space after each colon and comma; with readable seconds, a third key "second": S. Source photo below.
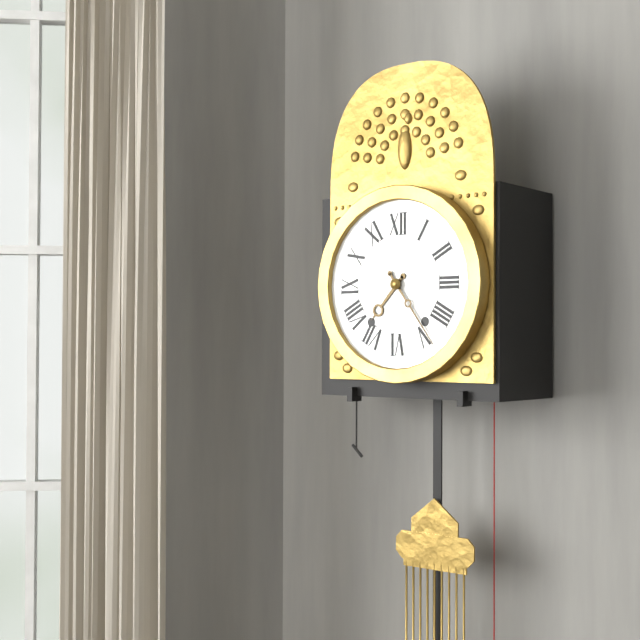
{"hour": 7, "minute": 24}
